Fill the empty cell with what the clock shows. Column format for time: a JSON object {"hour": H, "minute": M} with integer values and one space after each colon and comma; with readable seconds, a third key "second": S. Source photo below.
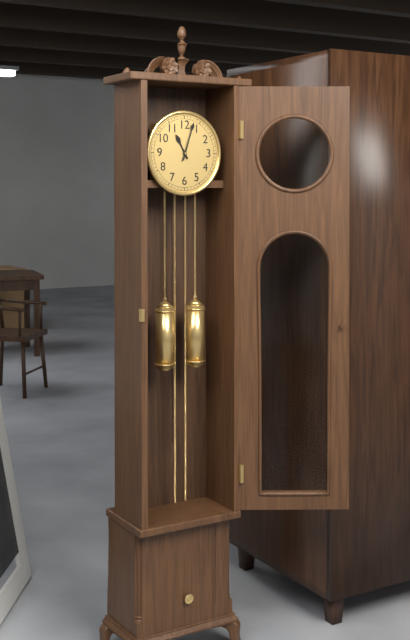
{"hour": 11, "minute": 3}
